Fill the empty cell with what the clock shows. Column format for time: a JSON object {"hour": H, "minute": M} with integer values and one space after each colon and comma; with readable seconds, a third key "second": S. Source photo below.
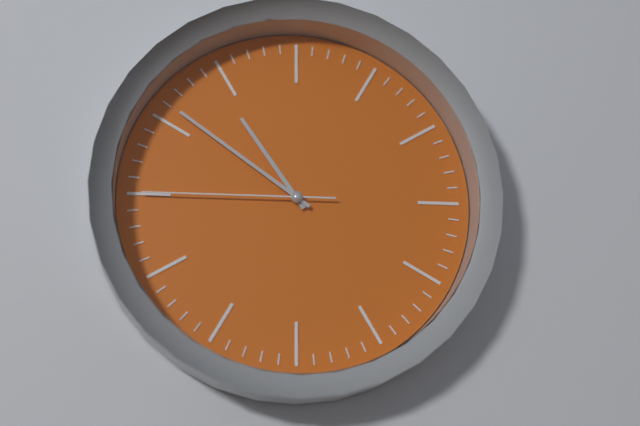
{"hour": 10, "minute": 51, "second": 45}
